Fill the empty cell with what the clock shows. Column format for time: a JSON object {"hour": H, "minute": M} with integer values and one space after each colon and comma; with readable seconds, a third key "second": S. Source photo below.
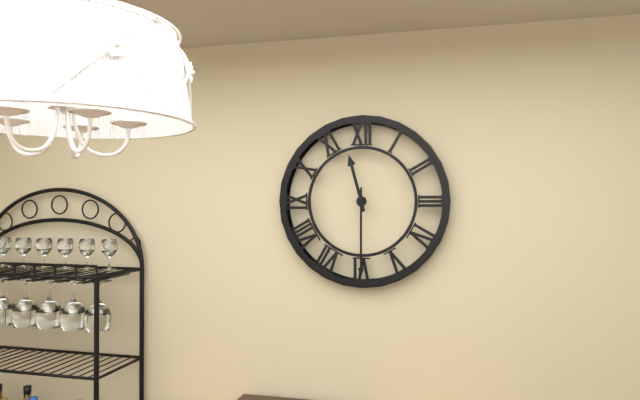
{"hour": 11, "minute": 30}
